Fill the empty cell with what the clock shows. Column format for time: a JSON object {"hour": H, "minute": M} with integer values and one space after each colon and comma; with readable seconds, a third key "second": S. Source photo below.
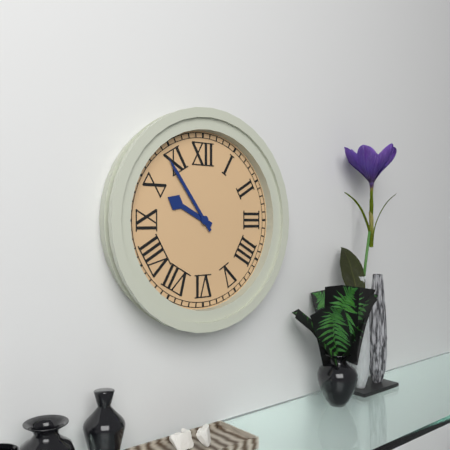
{"hour": 9, "minute": 54}
